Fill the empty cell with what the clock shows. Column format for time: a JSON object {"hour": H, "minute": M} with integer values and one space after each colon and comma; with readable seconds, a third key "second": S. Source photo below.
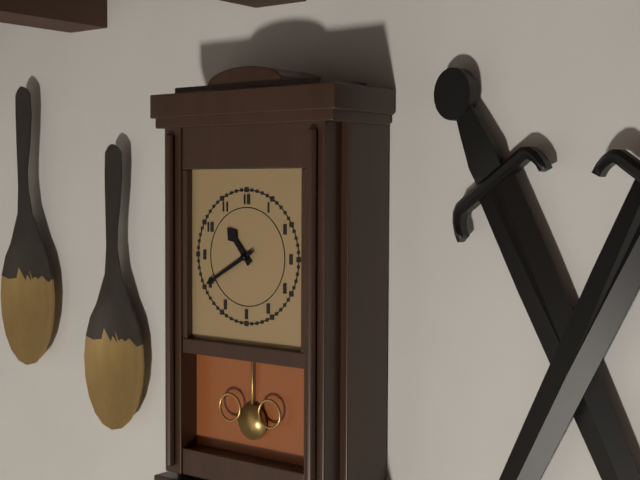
{"hour": 10, "minute": 40}
